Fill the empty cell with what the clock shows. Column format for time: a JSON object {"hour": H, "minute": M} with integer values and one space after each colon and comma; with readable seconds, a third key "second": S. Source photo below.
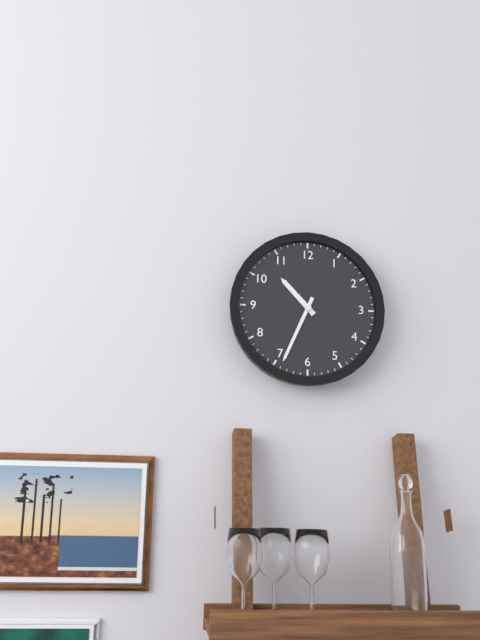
{"hour": 10, "minute": 34}
